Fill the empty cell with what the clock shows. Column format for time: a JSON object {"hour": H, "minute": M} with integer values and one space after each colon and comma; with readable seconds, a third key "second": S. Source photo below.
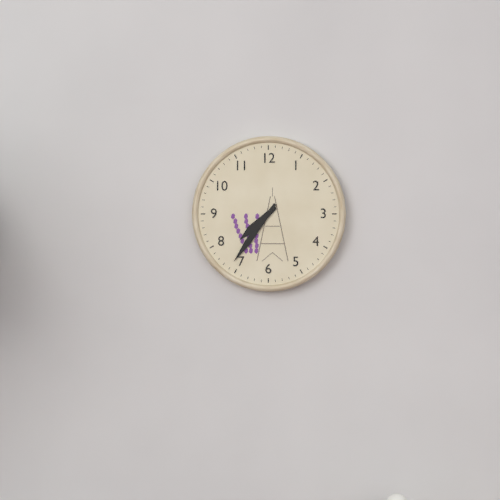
{"hour": 7, "minute": 36}
